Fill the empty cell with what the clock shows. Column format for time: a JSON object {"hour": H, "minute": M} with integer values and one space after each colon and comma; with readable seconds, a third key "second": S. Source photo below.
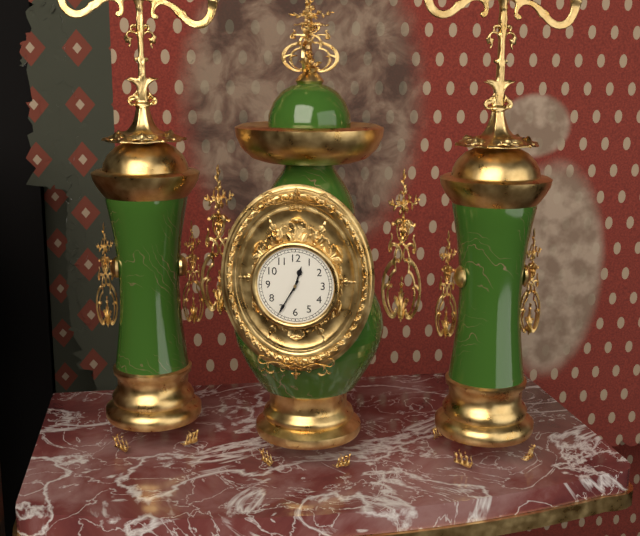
{"hour": 12, "minute": 35}
